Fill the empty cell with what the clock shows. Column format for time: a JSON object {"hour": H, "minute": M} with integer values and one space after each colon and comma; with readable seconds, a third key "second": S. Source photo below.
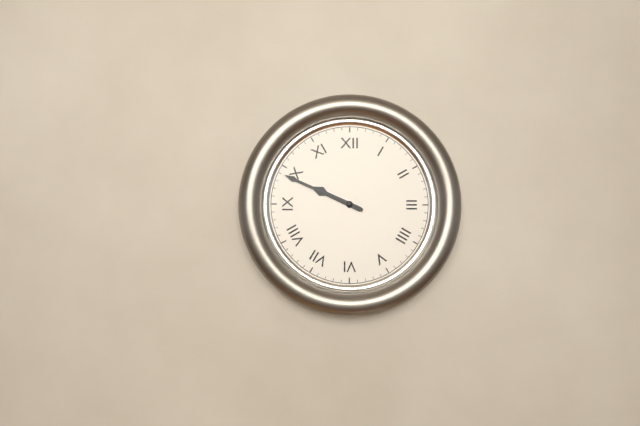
{"hour": 9, "minute": 49}
